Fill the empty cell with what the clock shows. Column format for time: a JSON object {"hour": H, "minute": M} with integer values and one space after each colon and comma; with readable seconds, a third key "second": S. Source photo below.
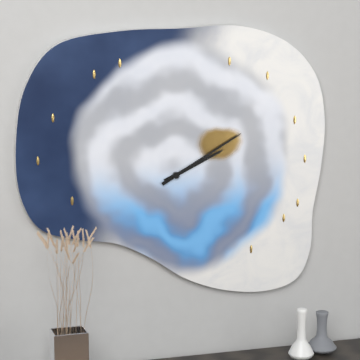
{"hour": 2, "minute": 10}
